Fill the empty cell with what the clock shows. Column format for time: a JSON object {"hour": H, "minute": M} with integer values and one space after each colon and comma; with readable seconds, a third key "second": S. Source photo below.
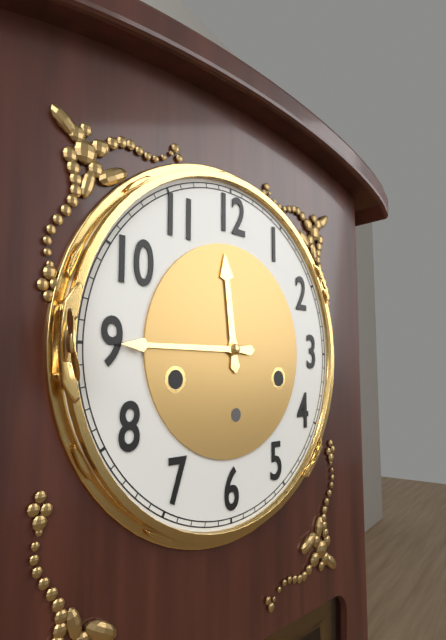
{"hour": 11, "minute": 45}
